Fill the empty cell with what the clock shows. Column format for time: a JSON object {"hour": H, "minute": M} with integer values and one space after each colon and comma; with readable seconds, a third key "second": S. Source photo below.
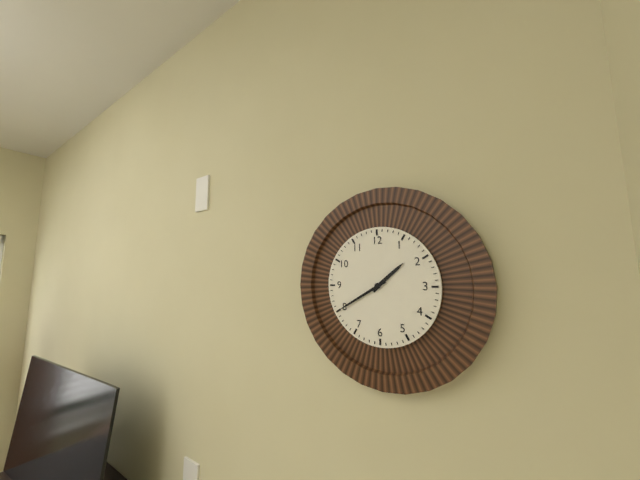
{"hour": 1, "minute": 40}
